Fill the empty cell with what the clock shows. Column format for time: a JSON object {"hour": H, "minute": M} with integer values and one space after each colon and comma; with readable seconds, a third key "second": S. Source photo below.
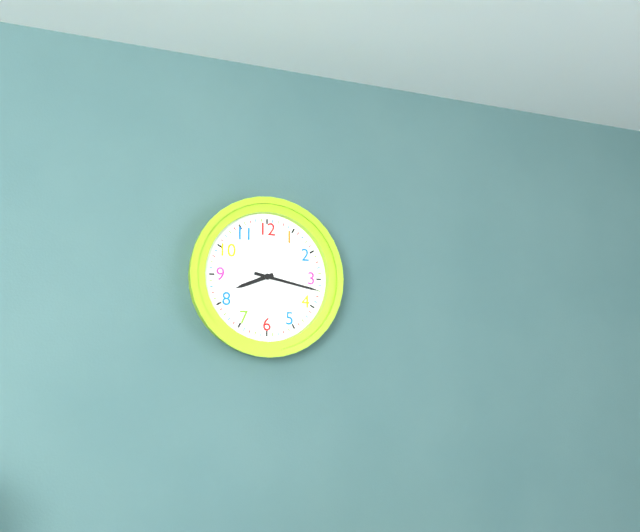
{"hour": 8, "minute": 17}
